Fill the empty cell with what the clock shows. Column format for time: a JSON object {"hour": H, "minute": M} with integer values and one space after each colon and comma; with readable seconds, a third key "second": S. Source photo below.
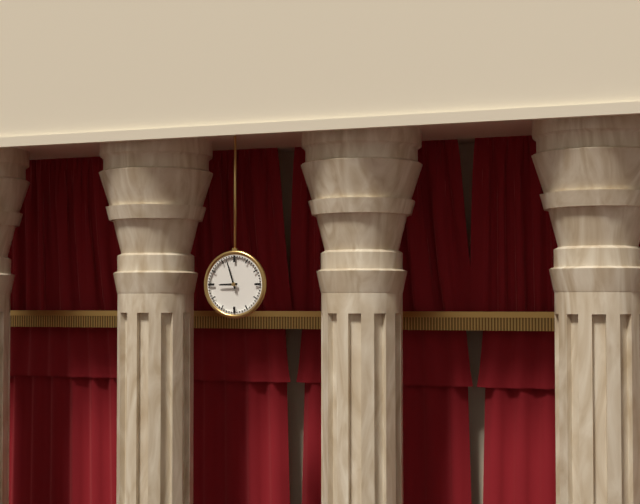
{"hour": 8, "minute": 57}
